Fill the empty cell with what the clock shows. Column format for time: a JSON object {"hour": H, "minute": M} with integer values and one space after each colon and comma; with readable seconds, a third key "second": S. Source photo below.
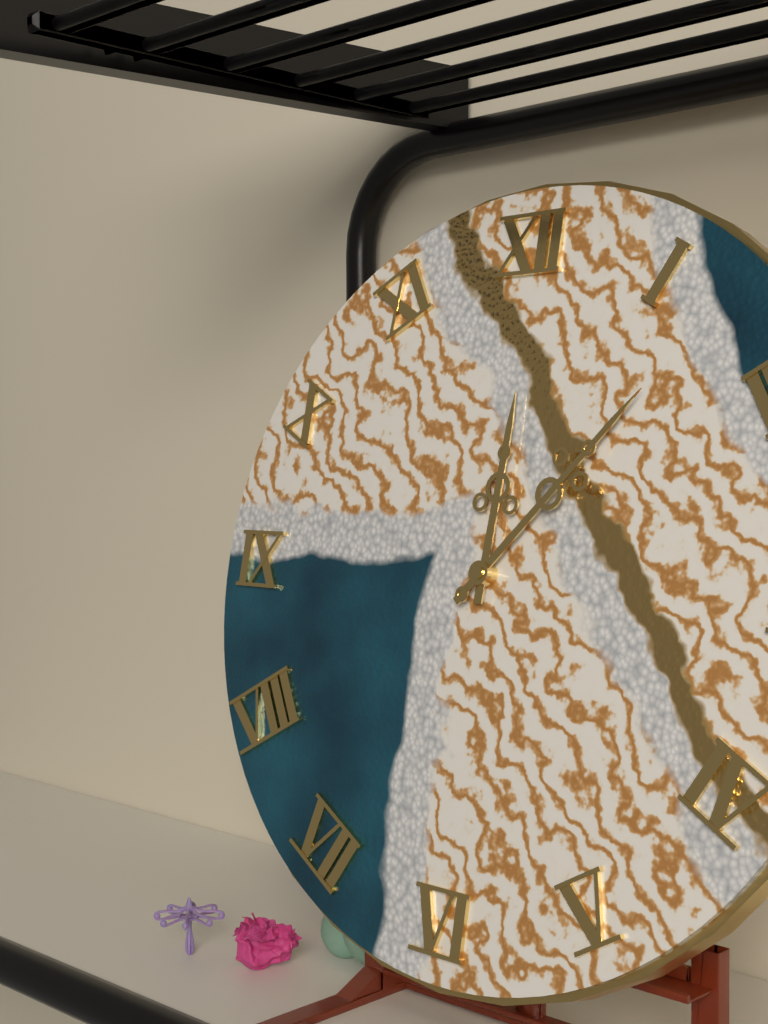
{"hour": 12, "minute": 7}
